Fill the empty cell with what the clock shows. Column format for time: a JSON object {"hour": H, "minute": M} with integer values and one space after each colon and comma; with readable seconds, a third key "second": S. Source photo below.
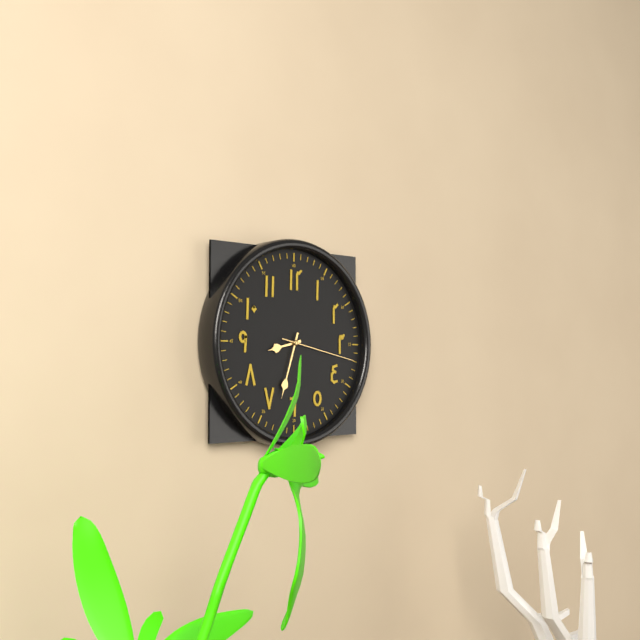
{"hour": 8, "minute": 33, "second": 17}
